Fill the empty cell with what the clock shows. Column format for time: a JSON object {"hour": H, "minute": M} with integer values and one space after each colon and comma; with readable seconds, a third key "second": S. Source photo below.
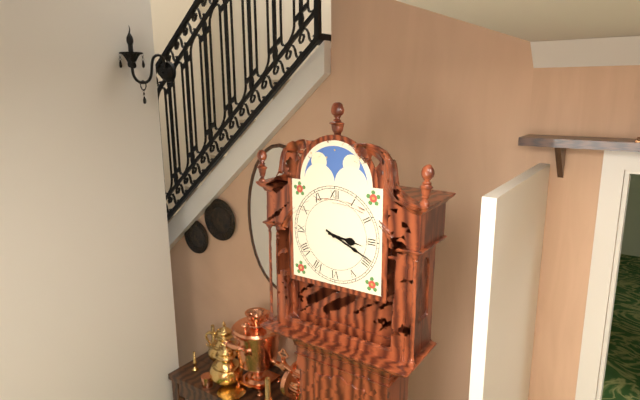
{"hour": 3, "minute": 19}
